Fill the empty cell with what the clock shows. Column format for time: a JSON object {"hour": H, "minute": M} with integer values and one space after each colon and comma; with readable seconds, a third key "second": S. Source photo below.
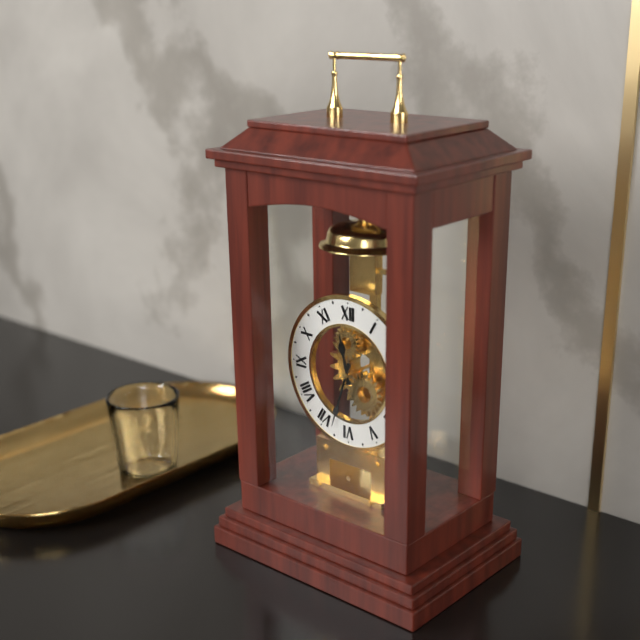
{"hour": 11, "minute": 33}
